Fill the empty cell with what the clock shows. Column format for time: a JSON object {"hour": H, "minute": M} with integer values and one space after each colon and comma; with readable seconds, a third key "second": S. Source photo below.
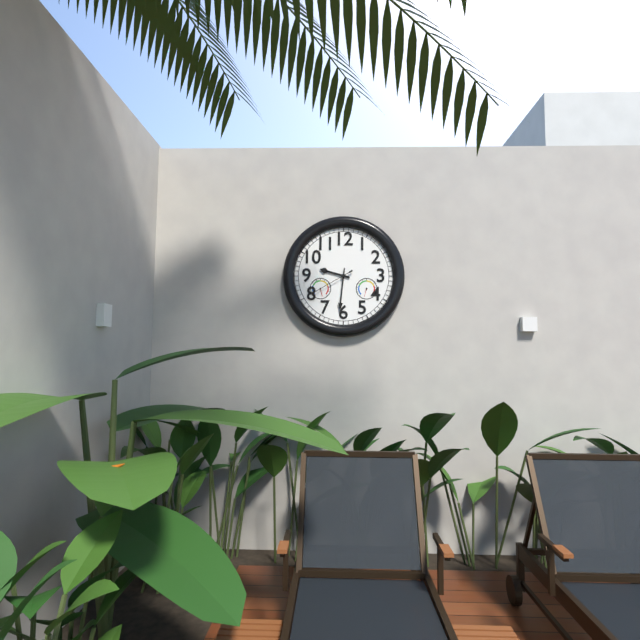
{"hour": 9, "minute": 31, "second": 40}
